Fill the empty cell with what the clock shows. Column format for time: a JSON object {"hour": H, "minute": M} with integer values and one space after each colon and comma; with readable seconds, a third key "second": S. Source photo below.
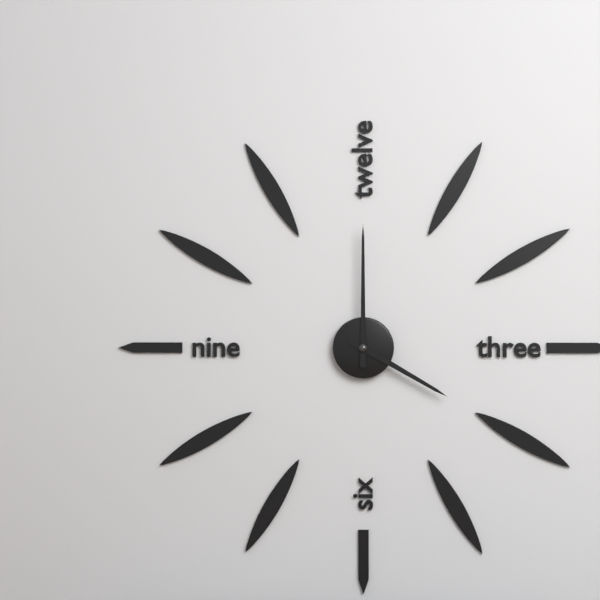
{"hour": 4, "minute": 0}
